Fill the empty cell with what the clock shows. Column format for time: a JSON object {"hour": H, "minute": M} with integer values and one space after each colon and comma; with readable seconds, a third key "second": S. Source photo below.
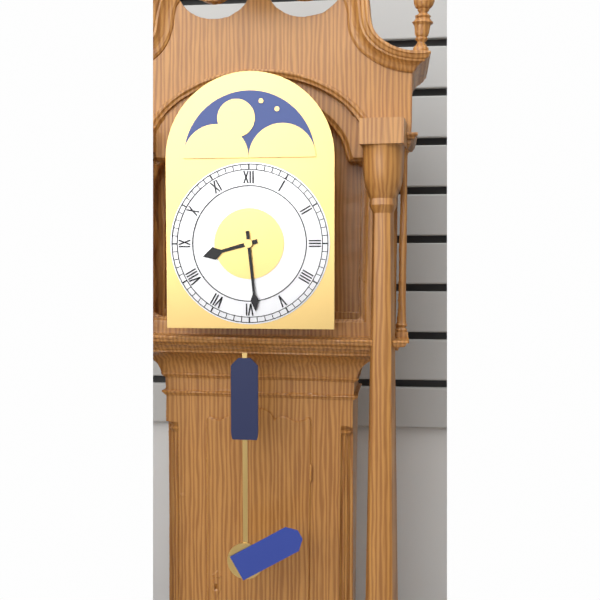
{"hour": 8, "minute": 29}
